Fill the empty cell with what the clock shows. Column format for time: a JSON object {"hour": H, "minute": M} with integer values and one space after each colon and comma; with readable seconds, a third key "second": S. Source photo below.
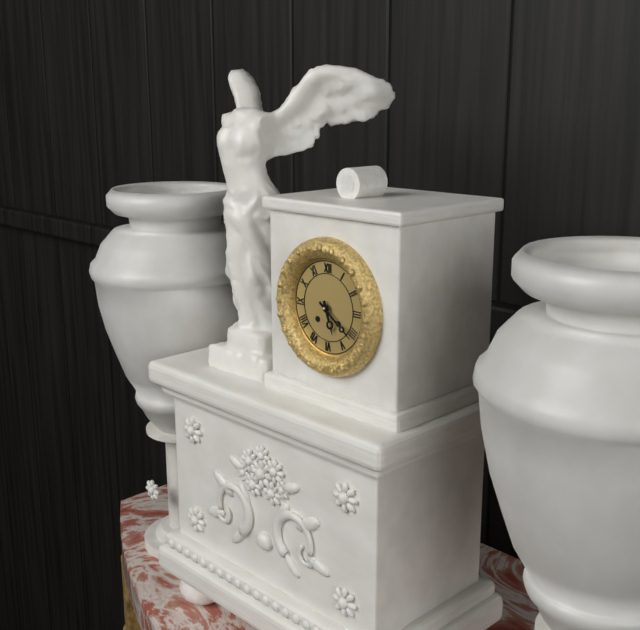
{"hour": 5, "minute": 21}
